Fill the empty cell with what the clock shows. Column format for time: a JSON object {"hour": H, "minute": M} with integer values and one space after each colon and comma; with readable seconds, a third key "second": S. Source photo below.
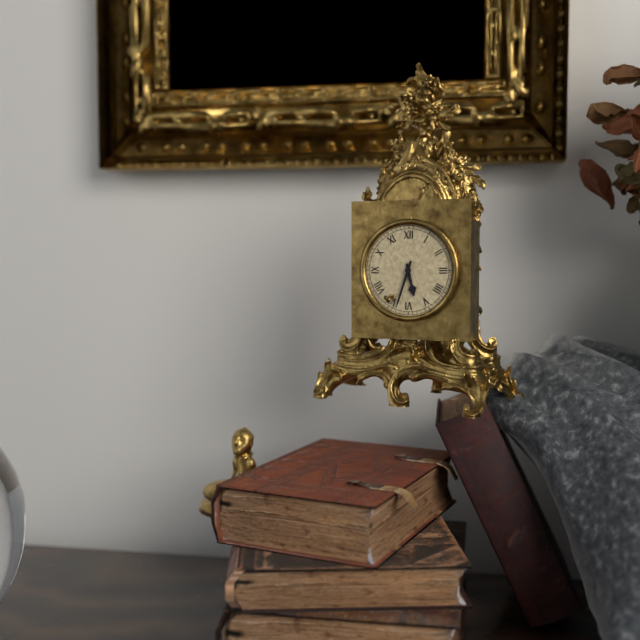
{"hour": 5, "minute": 33}
